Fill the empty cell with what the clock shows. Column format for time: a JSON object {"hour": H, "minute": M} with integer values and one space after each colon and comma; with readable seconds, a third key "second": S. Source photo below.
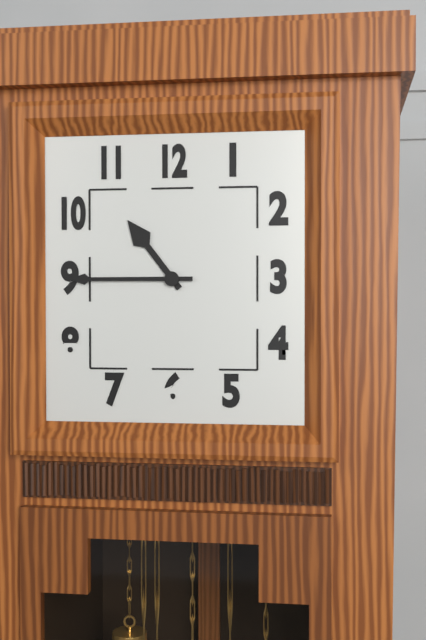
{"hour": 10, "minute": 45}
